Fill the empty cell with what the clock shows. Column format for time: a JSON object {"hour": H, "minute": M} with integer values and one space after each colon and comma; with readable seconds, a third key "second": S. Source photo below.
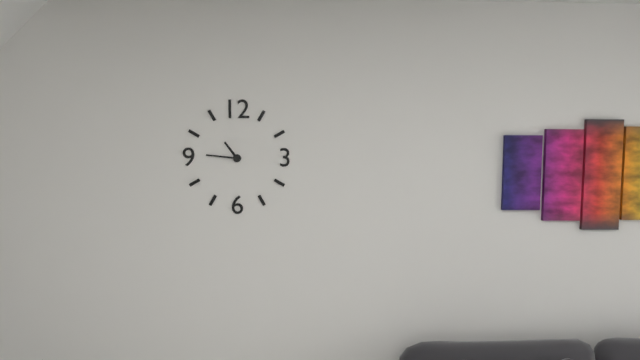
{"hour": 10, "minute": 46}
